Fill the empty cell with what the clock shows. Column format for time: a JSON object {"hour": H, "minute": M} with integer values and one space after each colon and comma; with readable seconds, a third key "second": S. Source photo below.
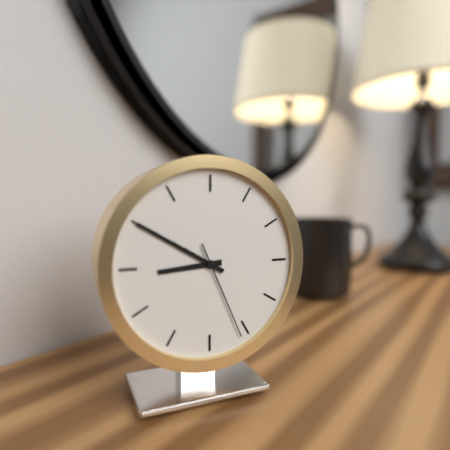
{"hour": 8, "minute": 50, "second": 26}
